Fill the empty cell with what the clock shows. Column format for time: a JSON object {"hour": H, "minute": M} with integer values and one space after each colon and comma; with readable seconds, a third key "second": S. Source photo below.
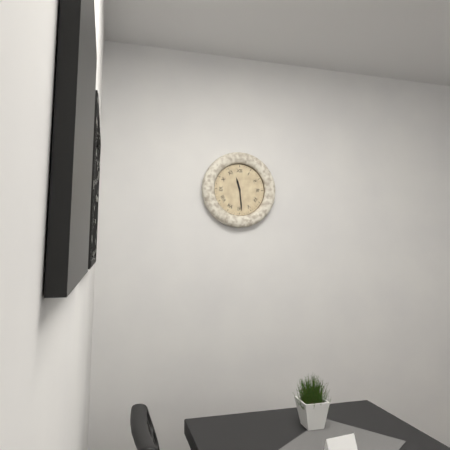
{"hour": 11, "minute": 29}
